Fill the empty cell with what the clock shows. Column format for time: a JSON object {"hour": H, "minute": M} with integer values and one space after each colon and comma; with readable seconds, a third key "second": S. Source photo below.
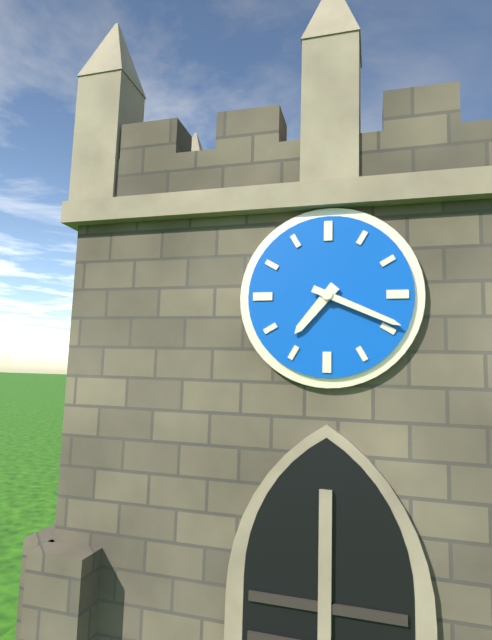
{"hour": 7, "minute": 19}
